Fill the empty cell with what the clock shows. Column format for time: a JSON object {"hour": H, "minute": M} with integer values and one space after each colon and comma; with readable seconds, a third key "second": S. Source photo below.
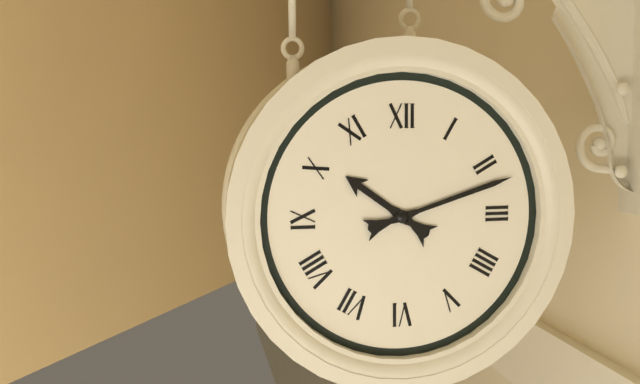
{"hour": 10, "minute": 12}
